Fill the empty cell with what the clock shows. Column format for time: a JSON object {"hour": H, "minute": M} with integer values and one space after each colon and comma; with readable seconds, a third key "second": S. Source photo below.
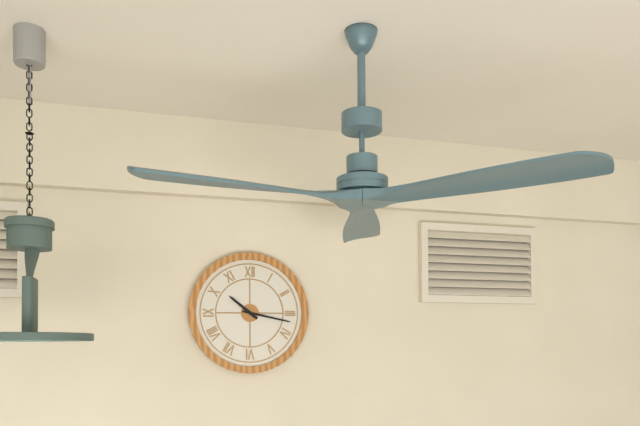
{"hour": 10, "minute": 17}
